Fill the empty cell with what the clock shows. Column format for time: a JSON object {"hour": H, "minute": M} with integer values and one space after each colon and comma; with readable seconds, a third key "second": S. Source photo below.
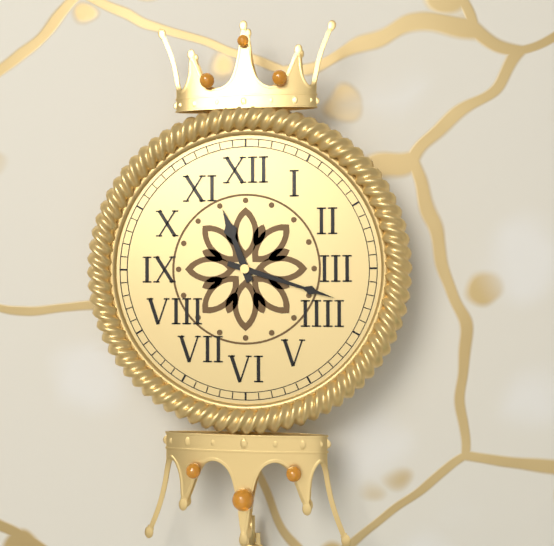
{"hour": 11, "minute": 18}
